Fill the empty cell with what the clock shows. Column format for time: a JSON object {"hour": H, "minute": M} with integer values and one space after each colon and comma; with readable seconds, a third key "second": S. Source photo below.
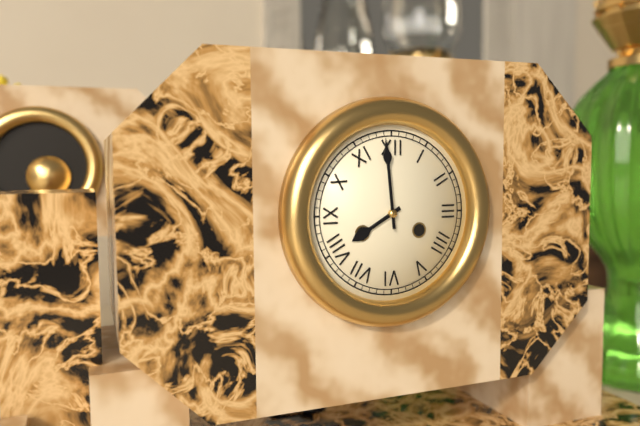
{"hour": 7, "minute": 59}
